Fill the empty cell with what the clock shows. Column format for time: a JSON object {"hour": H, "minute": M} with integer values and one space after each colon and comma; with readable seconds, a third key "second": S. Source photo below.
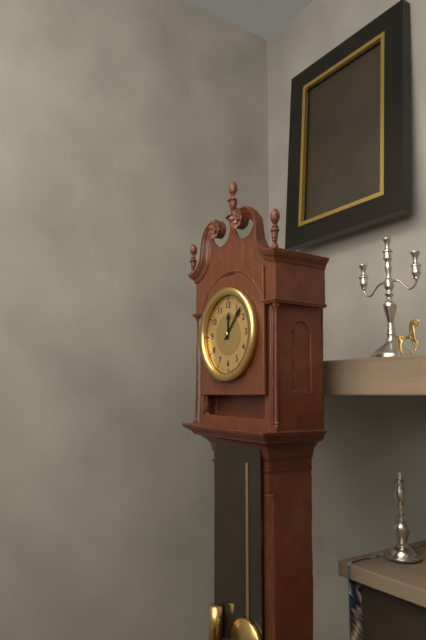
{"hour": 12, "minute": 7}
